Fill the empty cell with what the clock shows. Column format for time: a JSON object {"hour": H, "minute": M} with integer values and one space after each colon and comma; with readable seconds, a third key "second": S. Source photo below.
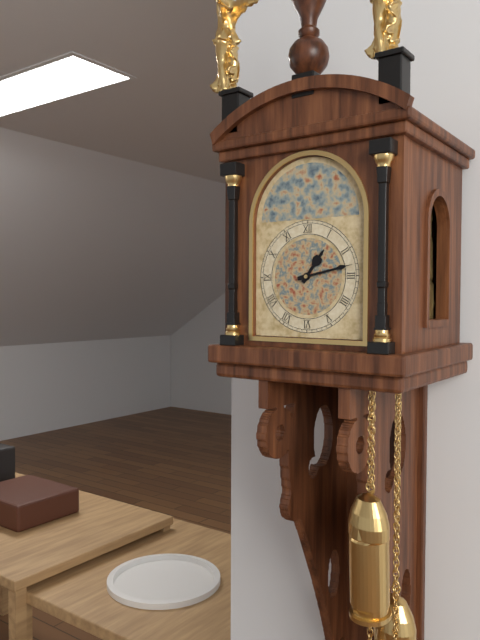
{"hour": 1, "minute": 13}
